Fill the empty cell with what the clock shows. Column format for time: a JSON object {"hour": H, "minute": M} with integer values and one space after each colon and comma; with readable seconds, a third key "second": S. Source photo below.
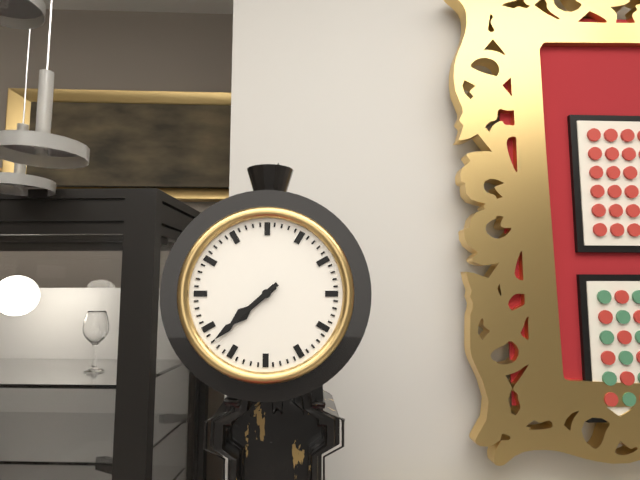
{"hour": 7, "minute": 38}
